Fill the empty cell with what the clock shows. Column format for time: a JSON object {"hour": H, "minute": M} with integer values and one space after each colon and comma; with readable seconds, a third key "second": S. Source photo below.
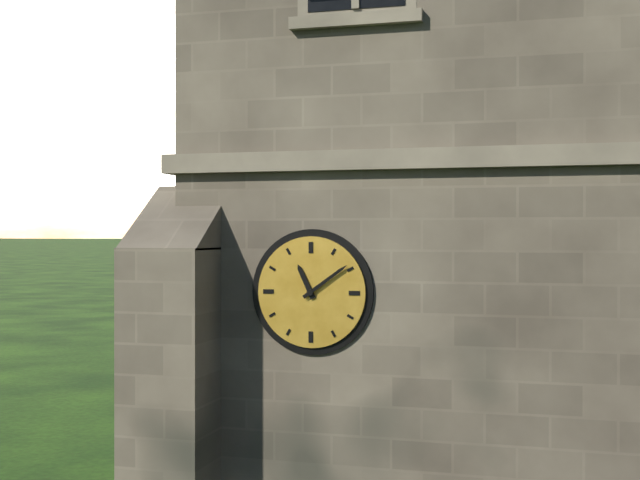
{"hour": 11, "minute": 9}
